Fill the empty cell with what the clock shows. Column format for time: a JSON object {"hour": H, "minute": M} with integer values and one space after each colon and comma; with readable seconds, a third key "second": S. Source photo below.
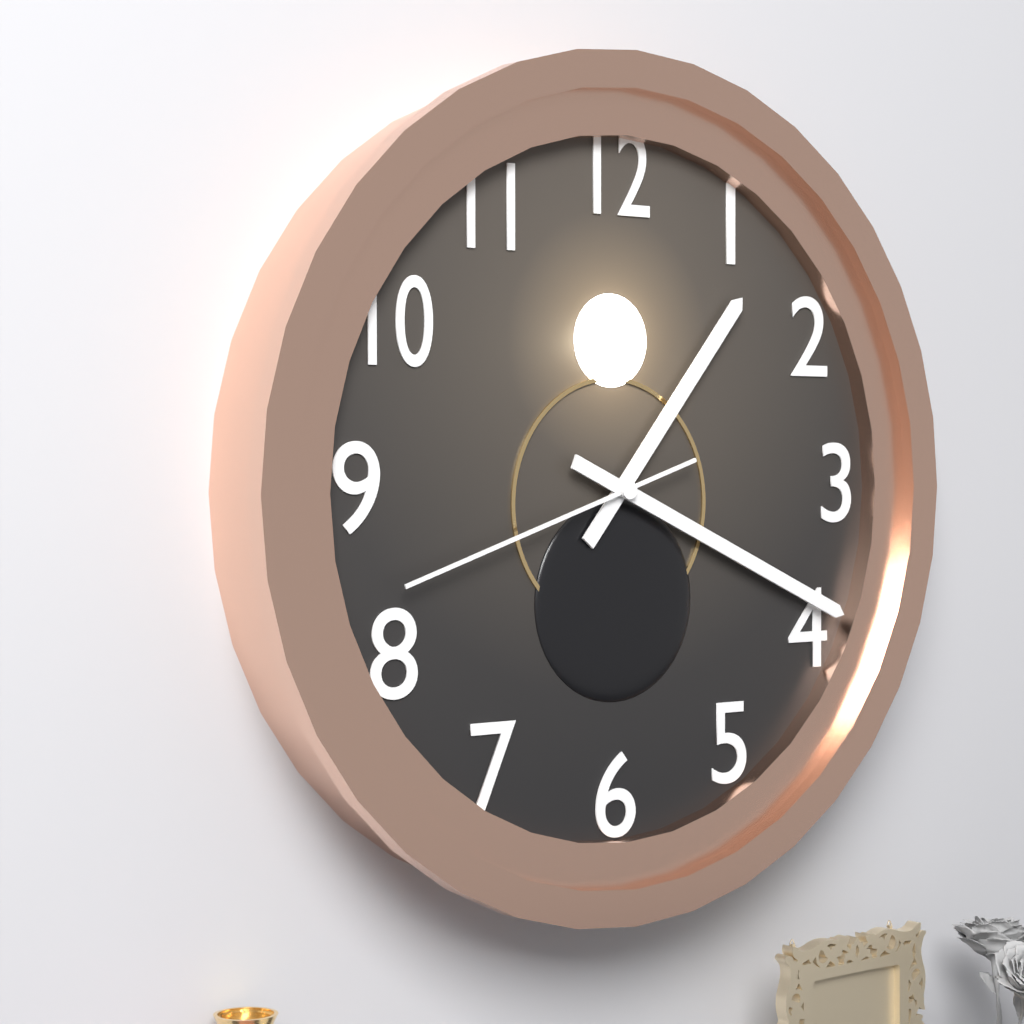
{"hour": 1, "minute": 19, "second": 42}
